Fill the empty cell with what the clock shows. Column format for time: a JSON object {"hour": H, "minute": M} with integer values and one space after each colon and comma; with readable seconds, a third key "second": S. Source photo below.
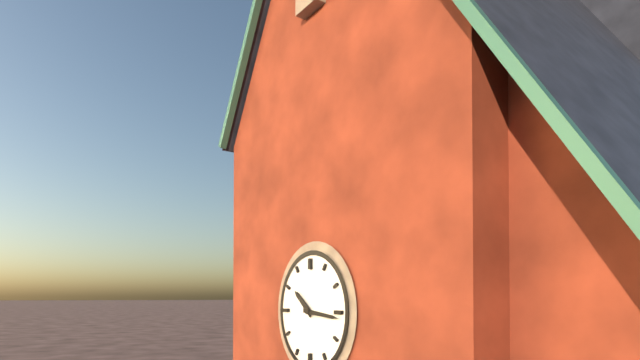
{"hour": 10, "minute": 16}
